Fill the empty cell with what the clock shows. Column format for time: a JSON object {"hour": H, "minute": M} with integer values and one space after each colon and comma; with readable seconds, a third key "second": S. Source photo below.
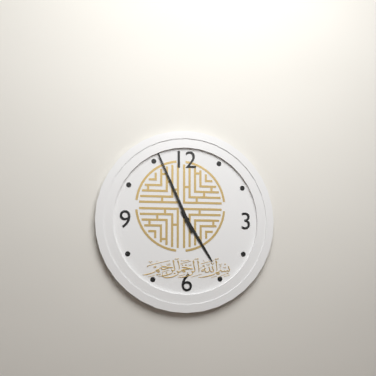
{"hour": 4, "minute": 56}
